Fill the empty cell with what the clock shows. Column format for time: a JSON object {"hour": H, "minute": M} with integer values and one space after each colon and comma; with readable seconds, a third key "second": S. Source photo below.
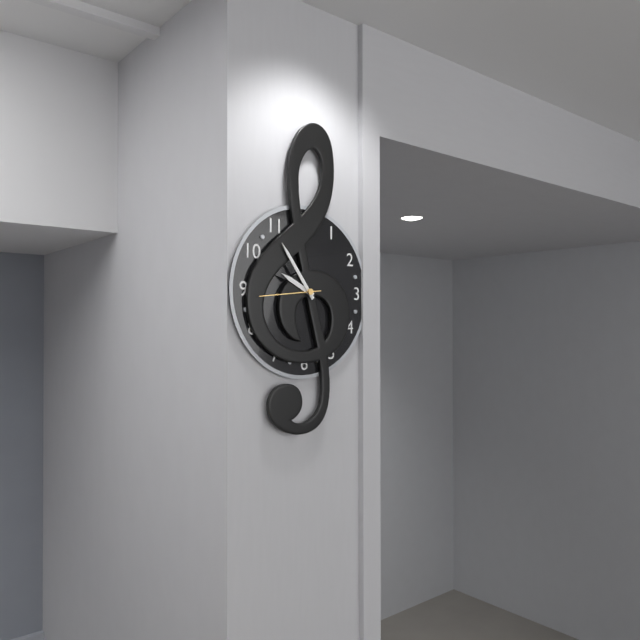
{"hour": 9, "minute": 54, "second": 44}
